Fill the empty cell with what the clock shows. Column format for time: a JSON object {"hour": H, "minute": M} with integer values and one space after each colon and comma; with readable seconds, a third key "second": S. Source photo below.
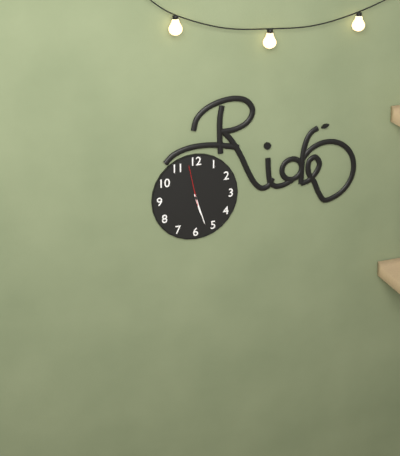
{"hour": 5, "minute": 27}
